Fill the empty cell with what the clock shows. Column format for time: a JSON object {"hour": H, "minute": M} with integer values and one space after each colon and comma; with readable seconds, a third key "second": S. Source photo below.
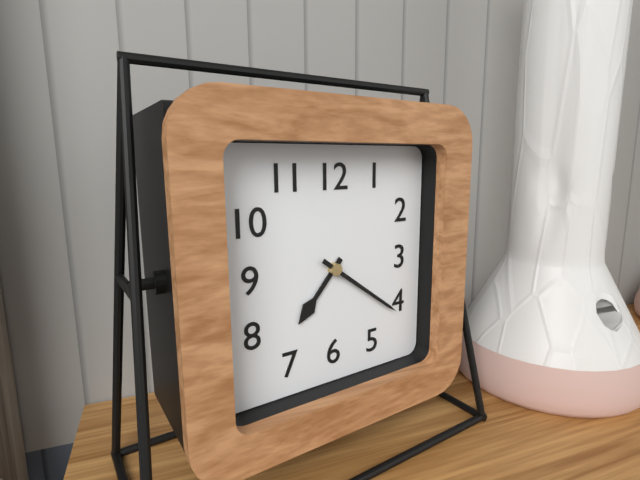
{"hour": 7, "minute": 21}
